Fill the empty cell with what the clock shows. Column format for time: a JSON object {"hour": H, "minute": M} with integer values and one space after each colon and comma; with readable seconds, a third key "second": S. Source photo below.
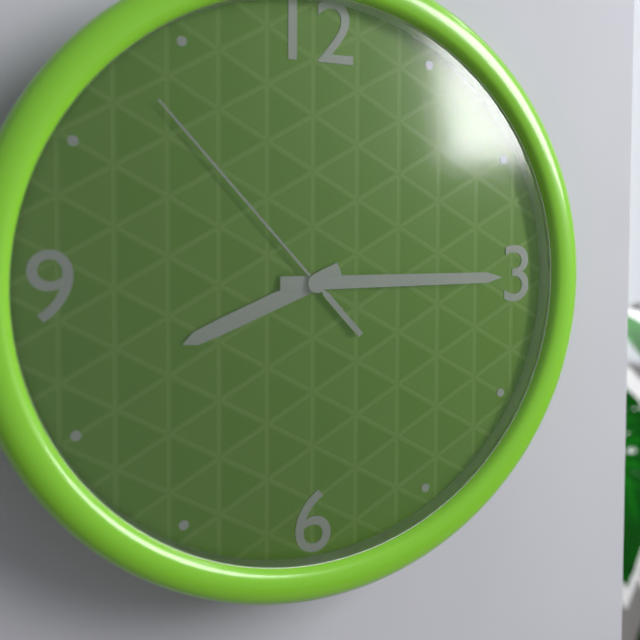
{"hour": 8, "minute": 15, "second": 53}
